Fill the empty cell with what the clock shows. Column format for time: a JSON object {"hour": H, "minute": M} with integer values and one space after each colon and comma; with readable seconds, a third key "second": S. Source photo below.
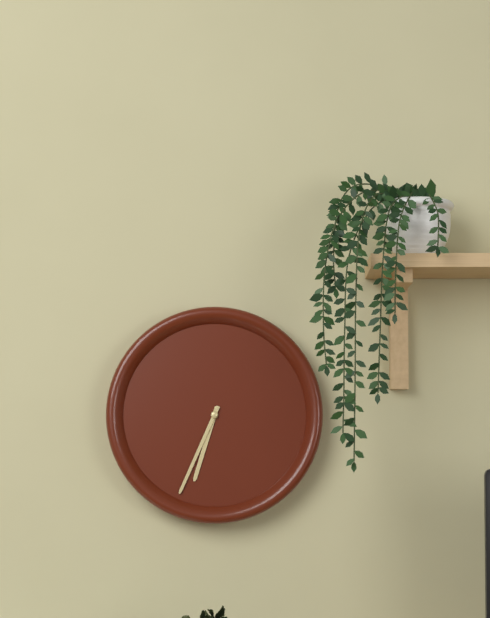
{"hour": 6, "minute": 34}
